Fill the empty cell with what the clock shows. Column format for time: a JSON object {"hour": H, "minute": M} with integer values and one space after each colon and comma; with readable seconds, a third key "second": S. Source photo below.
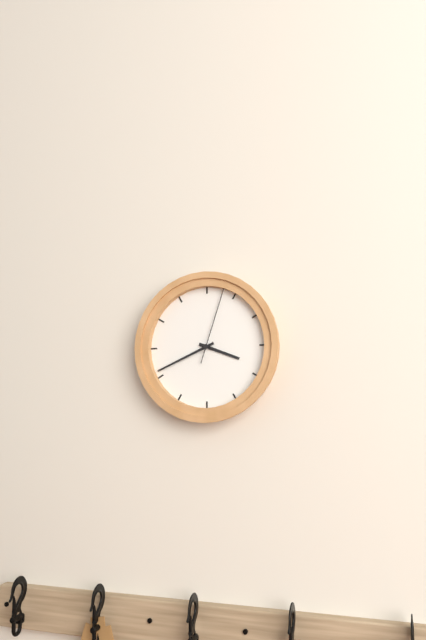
{"hour": 3, "minute": 41, "second": 3}
